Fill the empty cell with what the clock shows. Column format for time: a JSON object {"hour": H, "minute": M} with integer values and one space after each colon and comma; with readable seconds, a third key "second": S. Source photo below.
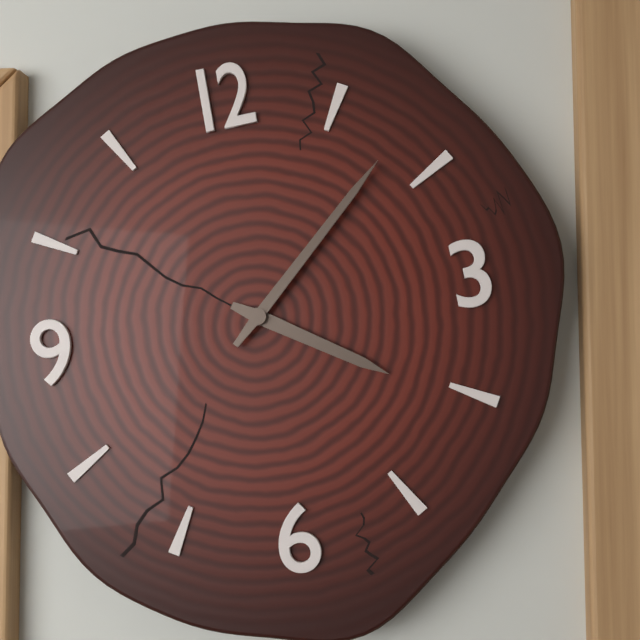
{"hour": 4, "minute": 8}
